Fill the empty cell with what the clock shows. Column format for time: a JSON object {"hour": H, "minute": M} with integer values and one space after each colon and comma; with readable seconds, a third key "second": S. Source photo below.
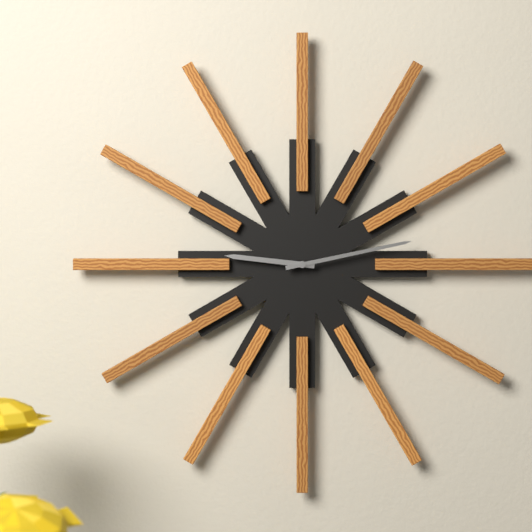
{"hour": 9, "minute": 13}
